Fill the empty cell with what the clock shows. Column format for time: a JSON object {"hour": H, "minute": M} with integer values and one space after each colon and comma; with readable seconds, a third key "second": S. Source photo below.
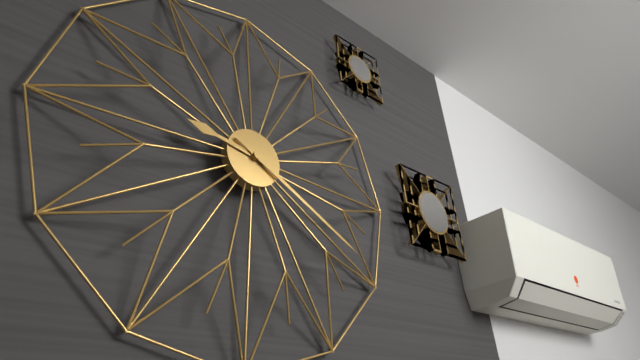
{"hour": 9, "minute": 20}
